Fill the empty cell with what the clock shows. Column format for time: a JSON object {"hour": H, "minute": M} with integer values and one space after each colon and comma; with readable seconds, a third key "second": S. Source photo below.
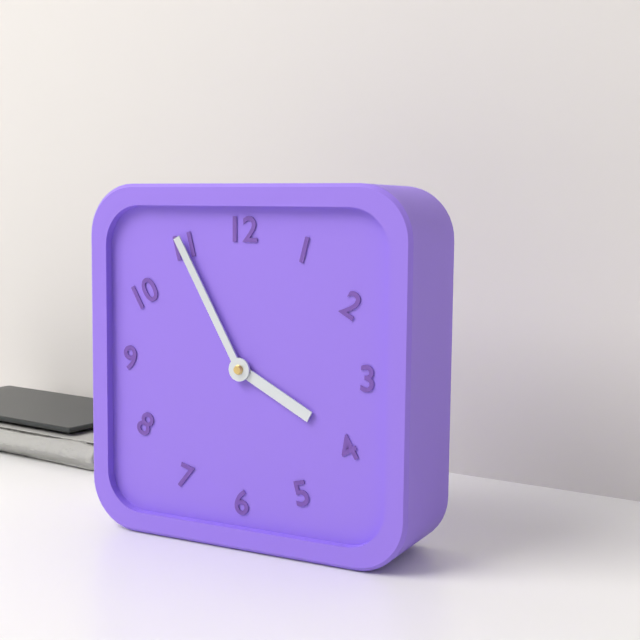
{"hour": 3, "minute": 55}
